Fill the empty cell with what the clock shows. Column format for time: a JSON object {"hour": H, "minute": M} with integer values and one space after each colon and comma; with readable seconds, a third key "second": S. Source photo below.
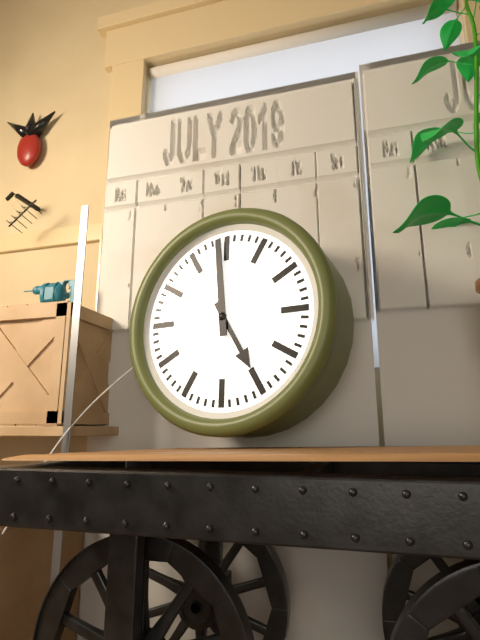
{"hour": 4, "minute": 59}
